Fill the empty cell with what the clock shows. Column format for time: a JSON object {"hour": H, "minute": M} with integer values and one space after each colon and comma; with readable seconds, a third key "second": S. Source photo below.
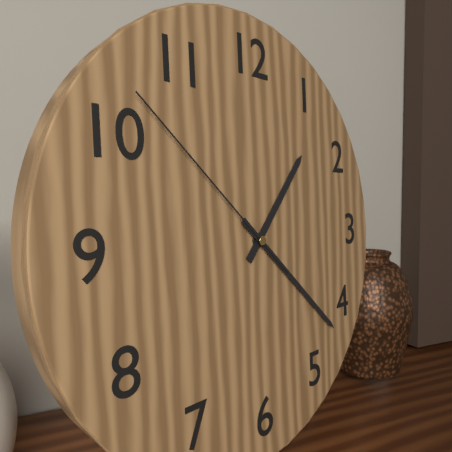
{"hour": 1, "minute": 22, "second": 52}
